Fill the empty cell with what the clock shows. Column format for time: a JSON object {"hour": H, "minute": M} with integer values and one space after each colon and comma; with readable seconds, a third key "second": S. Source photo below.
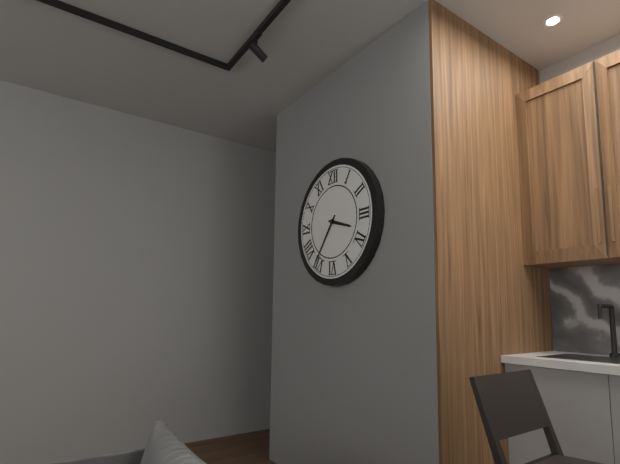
{"hour": 3, "minute": 36}
